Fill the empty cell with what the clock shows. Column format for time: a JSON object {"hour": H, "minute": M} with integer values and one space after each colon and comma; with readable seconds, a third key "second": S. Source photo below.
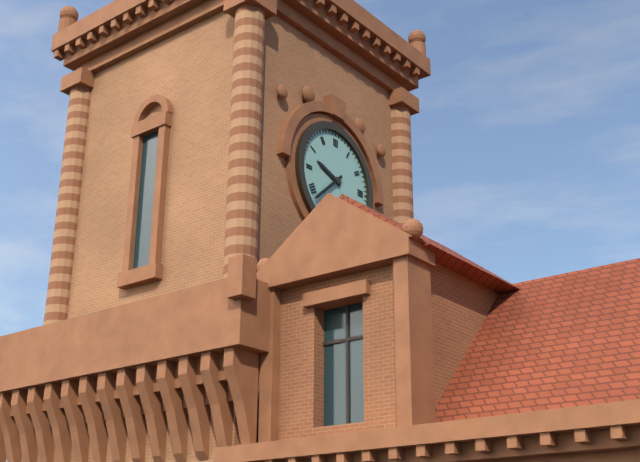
{"hour": 9, "minute": 38}
